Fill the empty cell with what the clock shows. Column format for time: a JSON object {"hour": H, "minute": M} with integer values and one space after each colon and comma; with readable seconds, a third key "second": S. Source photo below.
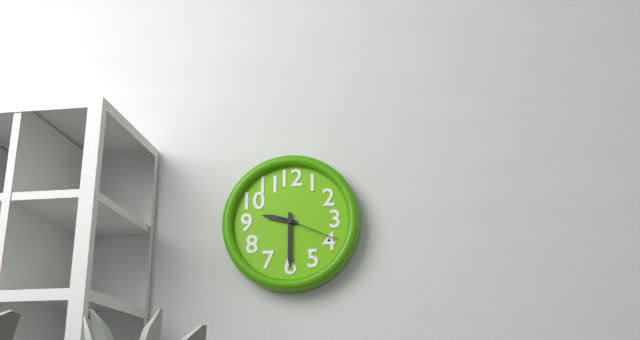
{"hour": 9, "minute": 30, "second": 19}
